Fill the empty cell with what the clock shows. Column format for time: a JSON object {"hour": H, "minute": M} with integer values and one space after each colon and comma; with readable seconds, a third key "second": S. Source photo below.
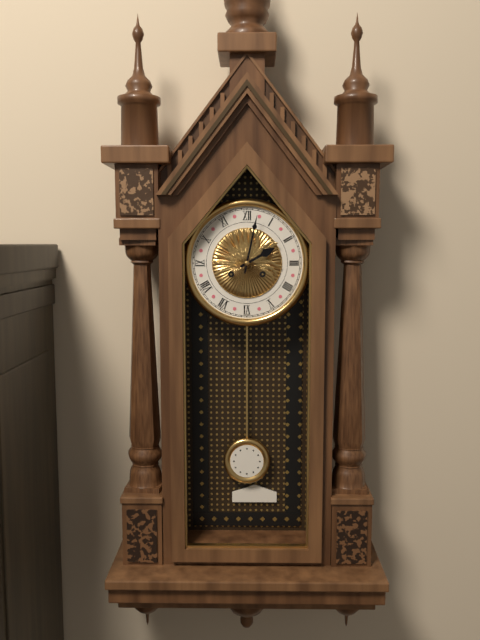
{"hour": 2, "minute": 2}
